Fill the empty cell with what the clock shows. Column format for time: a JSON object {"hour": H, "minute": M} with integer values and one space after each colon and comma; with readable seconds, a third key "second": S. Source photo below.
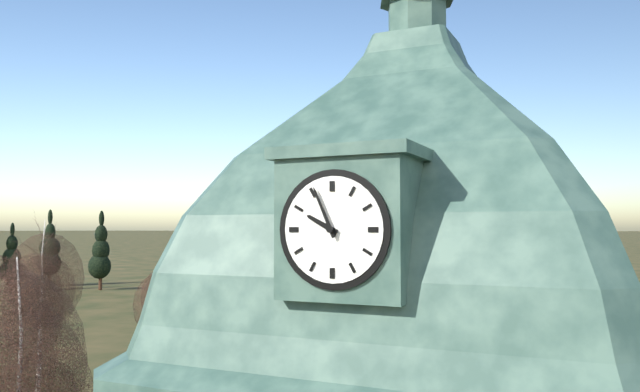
{"hour": 9, "minute": 56}
